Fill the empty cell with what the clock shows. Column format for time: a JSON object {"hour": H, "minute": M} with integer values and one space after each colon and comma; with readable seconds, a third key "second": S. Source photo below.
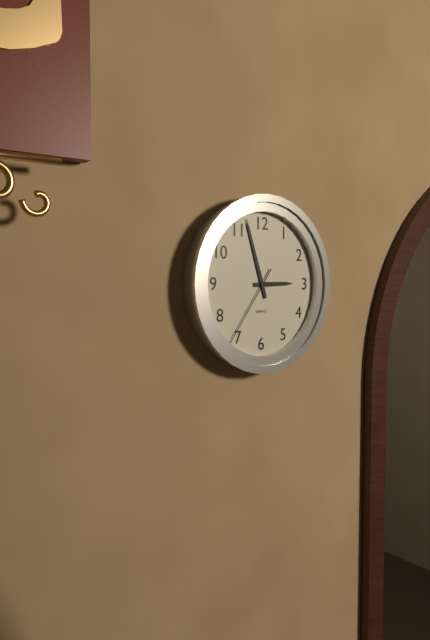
{"hour": 2, "minute": 57, "second": 36}
